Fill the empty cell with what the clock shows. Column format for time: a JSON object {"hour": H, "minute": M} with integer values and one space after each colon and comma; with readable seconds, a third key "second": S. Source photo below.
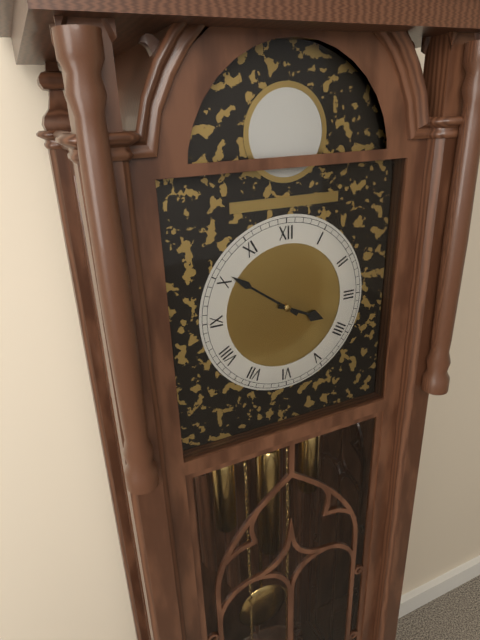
{"hour": 3, "minute": 51}
